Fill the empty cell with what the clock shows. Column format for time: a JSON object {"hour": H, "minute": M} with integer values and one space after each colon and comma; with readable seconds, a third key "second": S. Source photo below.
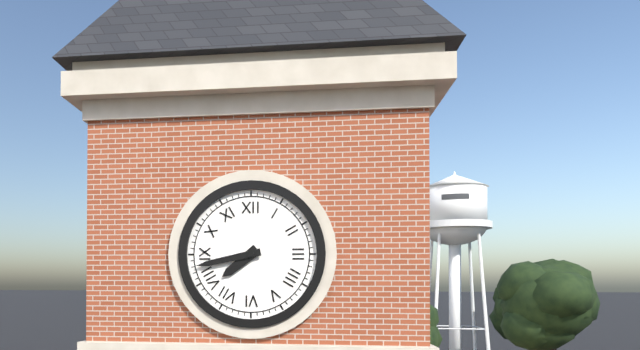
{"hour": 7, "minute": 43}
